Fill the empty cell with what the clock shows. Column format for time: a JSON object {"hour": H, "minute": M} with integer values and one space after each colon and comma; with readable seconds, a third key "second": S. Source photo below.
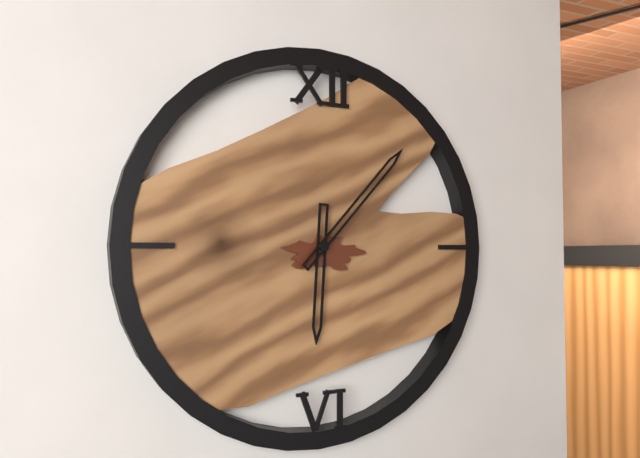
{"hour": 6, "minute": 7}
